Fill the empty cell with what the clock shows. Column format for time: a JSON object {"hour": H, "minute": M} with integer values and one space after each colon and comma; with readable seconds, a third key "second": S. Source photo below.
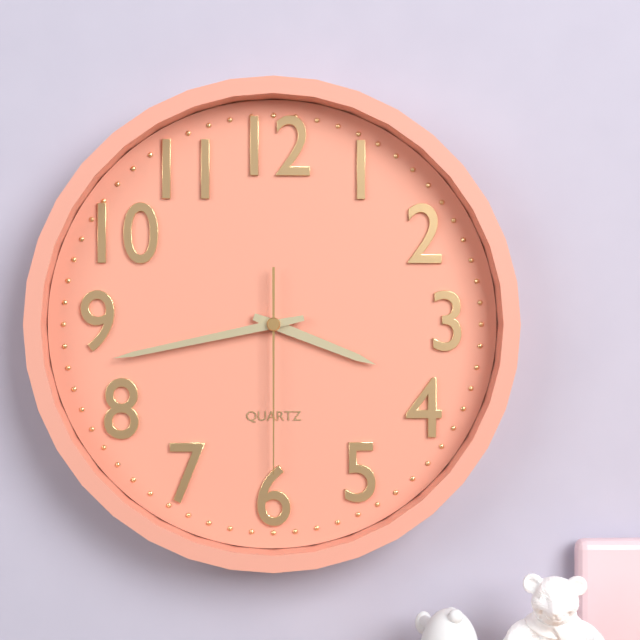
{"hour": 3, "minute": 43, "second": 30}
